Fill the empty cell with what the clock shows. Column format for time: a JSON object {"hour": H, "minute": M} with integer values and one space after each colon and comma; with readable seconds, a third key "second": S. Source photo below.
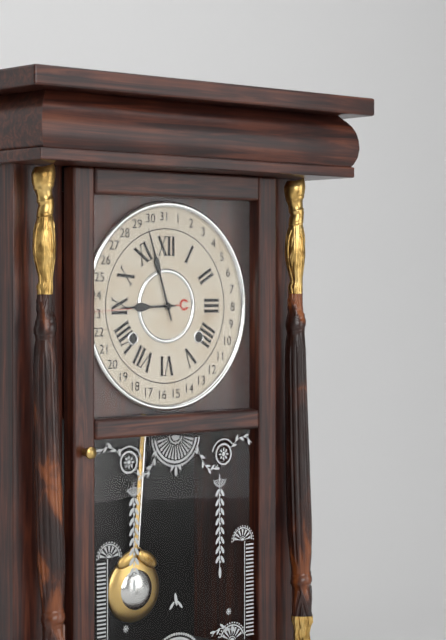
{"hour": 8, "minute": 57}
